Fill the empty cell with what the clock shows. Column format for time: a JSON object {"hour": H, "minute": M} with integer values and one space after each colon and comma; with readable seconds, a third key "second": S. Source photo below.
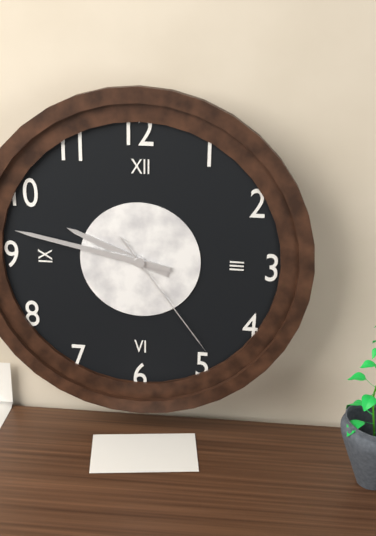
{"hour": 9, "minute": 47, "second": 24}
